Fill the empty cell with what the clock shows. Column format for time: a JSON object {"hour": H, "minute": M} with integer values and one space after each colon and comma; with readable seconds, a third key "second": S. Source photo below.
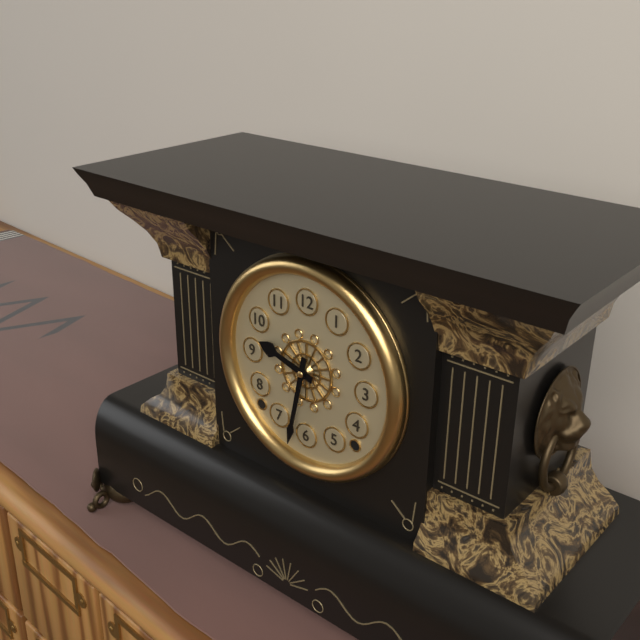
{"hour": 9, "minute": 32}
